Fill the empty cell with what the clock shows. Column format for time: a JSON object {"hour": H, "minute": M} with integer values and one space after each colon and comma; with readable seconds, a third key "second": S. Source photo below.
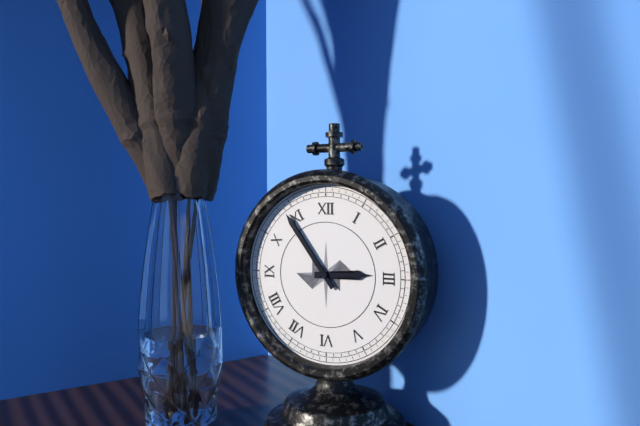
{"hour": 2, "minute": 54}
